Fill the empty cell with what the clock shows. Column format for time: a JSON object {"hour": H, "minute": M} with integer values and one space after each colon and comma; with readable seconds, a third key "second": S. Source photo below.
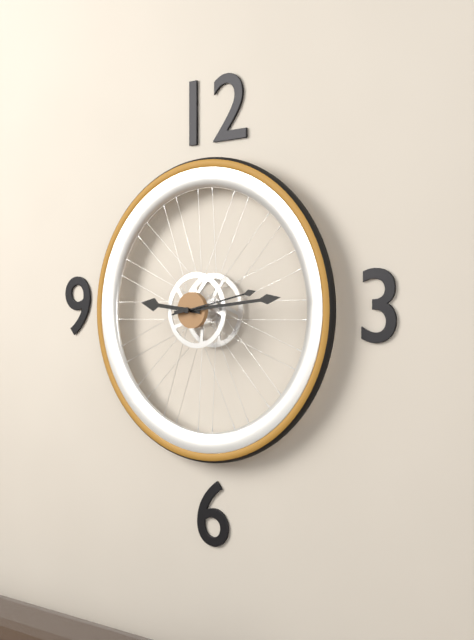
{"hour": 9, "minute": 14, "second": 13}
